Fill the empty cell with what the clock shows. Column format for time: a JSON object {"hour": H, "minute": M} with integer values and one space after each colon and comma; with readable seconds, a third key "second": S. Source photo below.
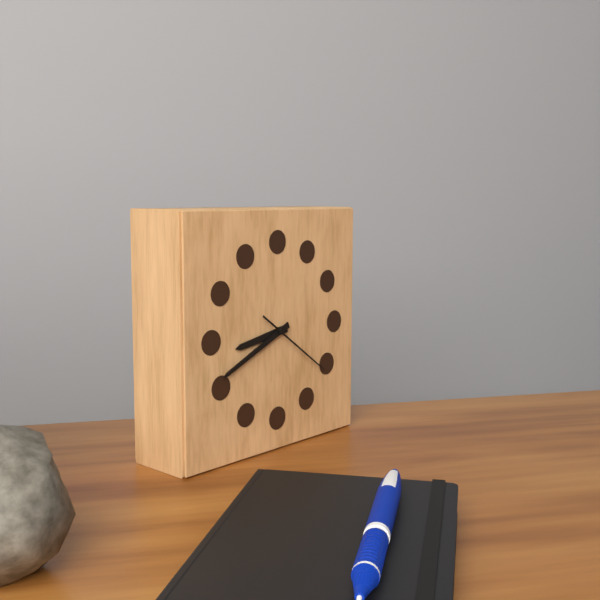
{"hour": 8, "minute": 41, "second": 21}
